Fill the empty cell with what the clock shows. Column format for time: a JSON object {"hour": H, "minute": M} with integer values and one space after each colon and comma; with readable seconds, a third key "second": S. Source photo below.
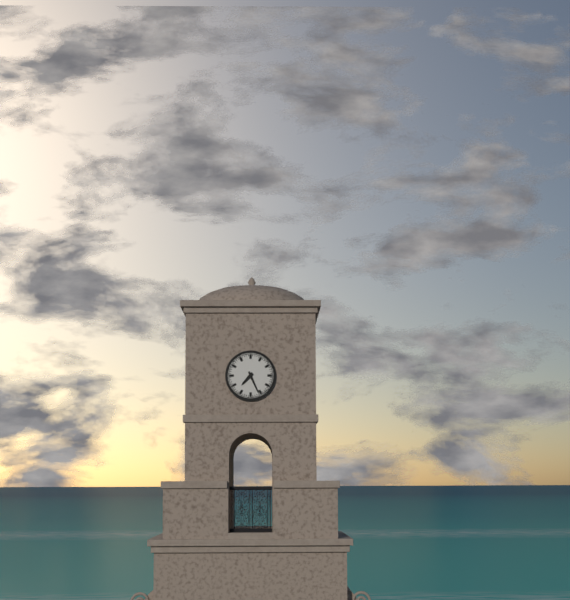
{"hour": 7, "minute": 26}
